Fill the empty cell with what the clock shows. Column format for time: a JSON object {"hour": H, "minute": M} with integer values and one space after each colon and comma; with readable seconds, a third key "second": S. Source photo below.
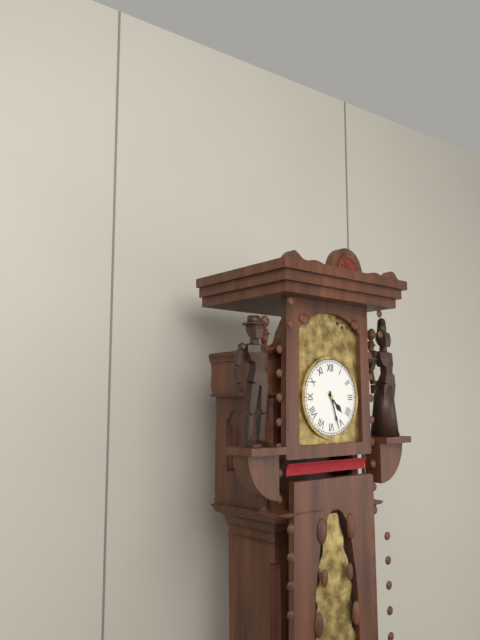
{"hour": 4, "minute": 27}
